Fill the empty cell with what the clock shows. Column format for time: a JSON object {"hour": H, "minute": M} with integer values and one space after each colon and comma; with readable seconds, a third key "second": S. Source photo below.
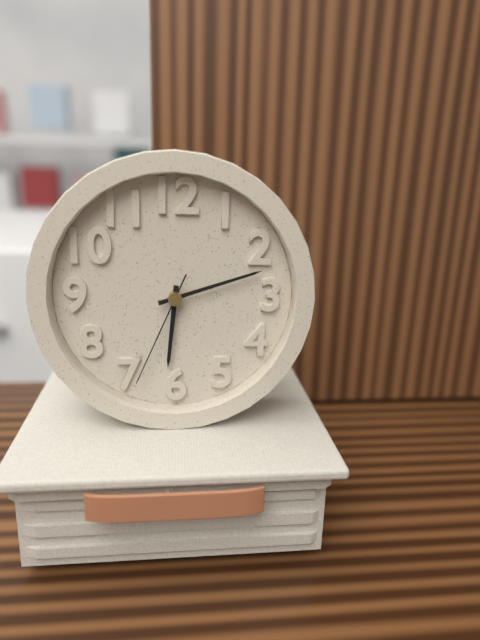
{"hour": 6, "minute": 12, "second": 34}
